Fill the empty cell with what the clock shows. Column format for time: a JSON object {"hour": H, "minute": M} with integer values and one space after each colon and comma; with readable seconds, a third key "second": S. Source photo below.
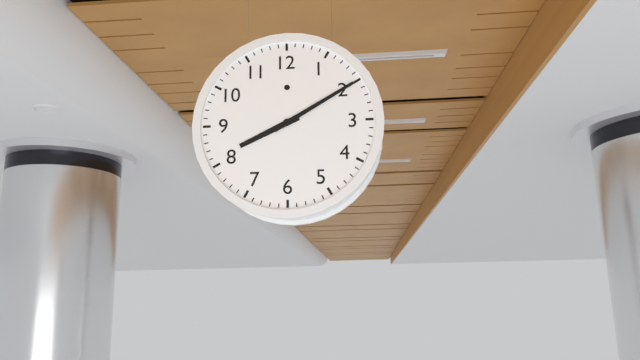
{"hour": 8, "minute": 10}
